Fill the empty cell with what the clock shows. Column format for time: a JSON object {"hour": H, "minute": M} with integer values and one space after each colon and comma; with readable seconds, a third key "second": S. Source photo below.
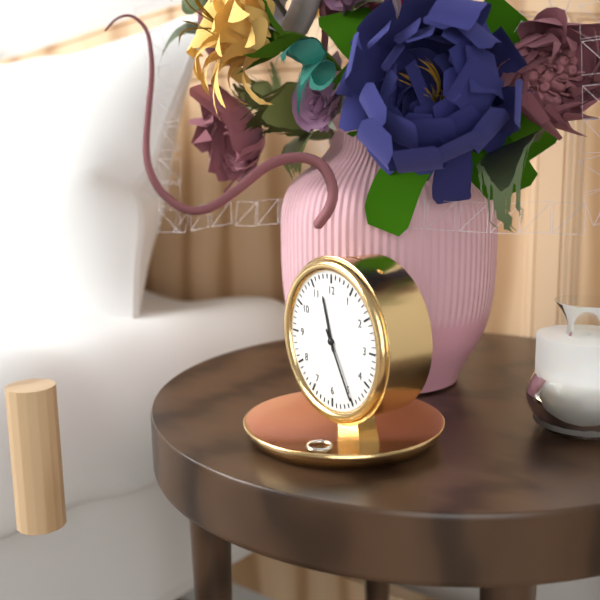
{"hour": 11, "minute": 25}
